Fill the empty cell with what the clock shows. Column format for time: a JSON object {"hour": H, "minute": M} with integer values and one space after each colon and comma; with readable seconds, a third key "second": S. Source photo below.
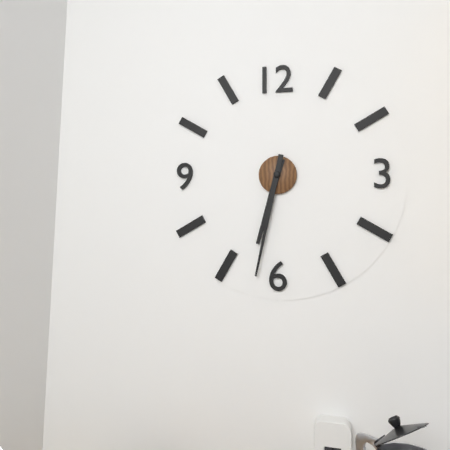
{"hour": 6, "minute": 32}
